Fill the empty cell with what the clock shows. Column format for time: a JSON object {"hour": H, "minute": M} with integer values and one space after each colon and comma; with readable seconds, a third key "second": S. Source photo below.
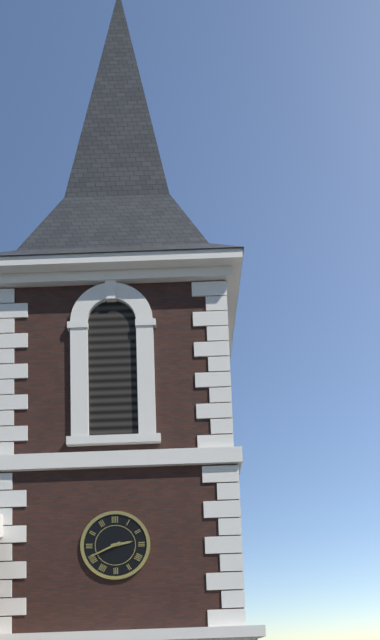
{"hour": 2, "minute": 41}
